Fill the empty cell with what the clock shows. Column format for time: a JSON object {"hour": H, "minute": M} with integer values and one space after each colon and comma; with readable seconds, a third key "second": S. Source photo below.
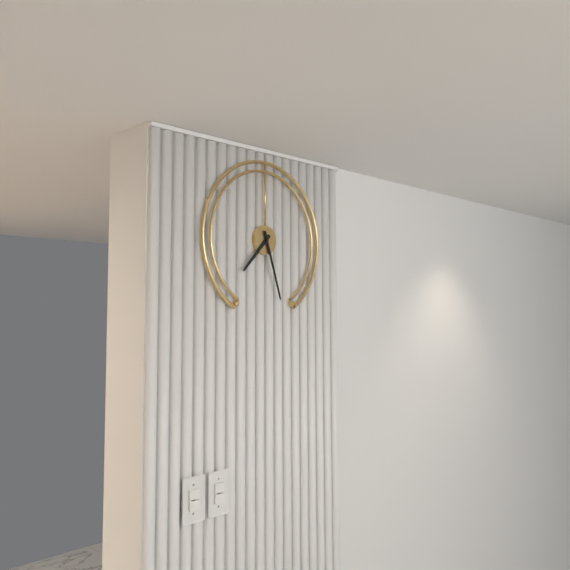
{"hour": 7, "minute": 27}
